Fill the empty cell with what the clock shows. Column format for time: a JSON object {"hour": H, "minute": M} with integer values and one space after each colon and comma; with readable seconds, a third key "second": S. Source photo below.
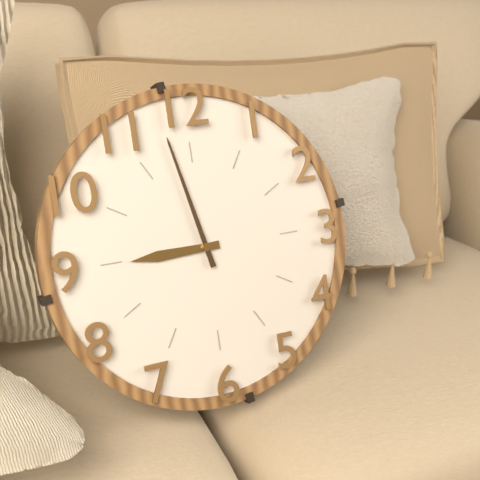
{"hour": 8, "minute": 58}
